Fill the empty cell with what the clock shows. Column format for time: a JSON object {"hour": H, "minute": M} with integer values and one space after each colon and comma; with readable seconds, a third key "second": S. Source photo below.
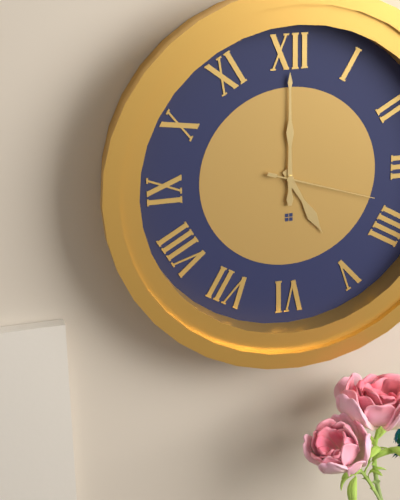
{"hour": 5, "minute": 0, "second": 18}
